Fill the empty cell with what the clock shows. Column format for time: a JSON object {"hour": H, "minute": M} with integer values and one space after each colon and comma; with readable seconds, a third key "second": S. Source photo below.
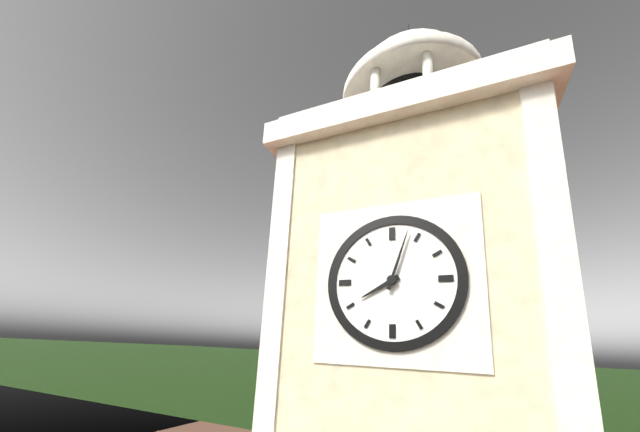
{"hour": 8, "minute": 3}
